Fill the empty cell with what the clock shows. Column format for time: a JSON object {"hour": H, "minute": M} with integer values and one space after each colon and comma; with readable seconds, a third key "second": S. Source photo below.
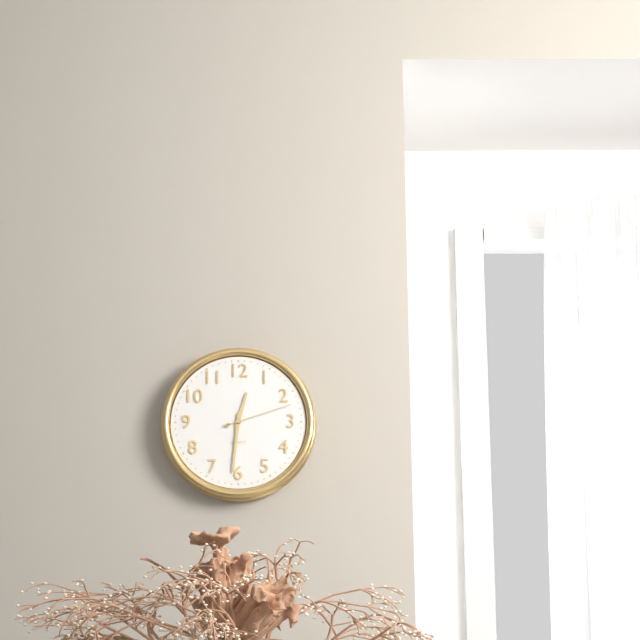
{"hour": 12, "minute": 31, "second": 12}
